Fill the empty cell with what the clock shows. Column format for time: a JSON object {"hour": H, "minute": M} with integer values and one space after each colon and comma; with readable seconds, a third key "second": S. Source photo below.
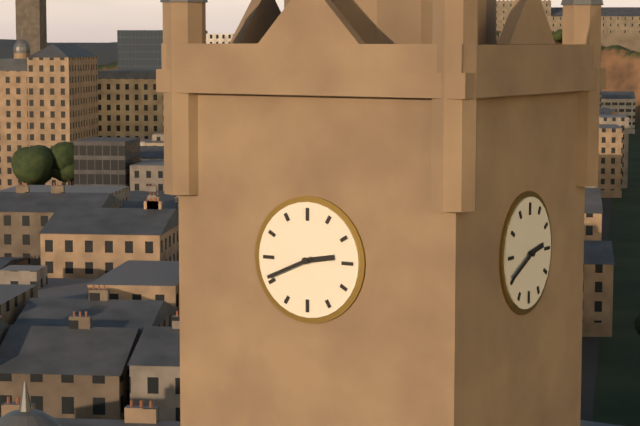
{"hour": 2, "minute": 41}
